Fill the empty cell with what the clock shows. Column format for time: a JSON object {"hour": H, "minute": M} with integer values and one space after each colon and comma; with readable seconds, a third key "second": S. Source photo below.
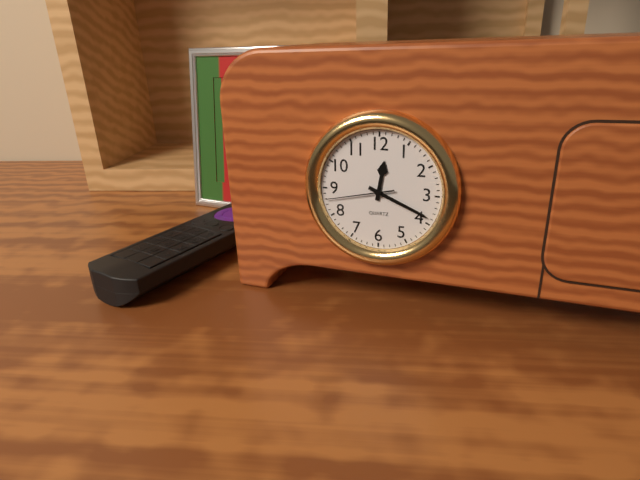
{"hour": 12, "minute": 19, "second": 43}
